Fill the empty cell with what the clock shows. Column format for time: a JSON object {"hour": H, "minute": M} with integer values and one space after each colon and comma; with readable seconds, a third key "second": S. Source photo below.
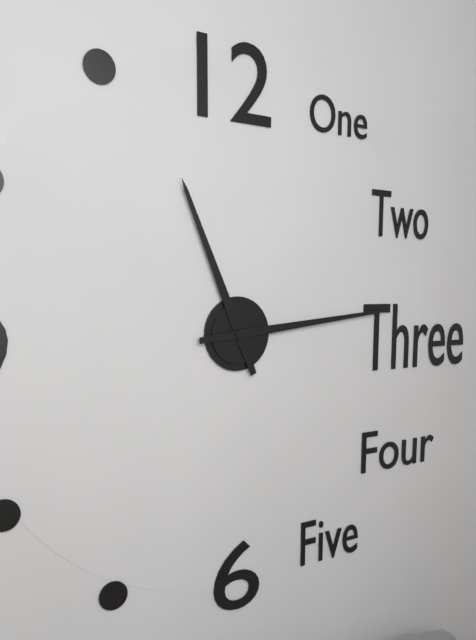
{"hour": 11, "minute": 14}
